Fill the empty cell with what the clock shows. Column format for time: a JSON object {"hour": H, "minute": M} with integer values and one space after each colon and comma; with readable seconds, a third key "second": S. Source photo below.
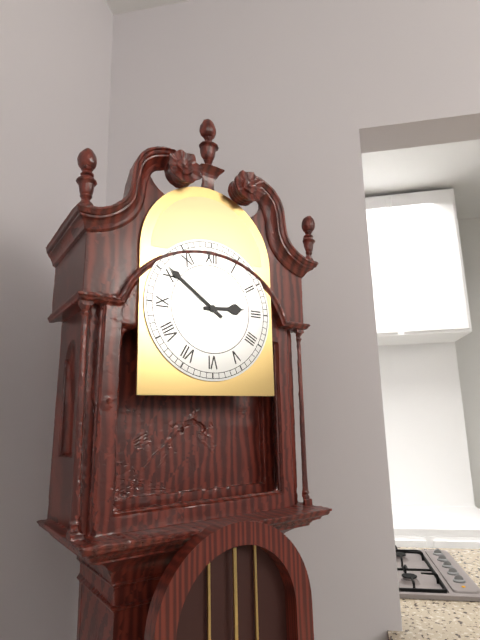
{"hour": 2, "minute": 51}
